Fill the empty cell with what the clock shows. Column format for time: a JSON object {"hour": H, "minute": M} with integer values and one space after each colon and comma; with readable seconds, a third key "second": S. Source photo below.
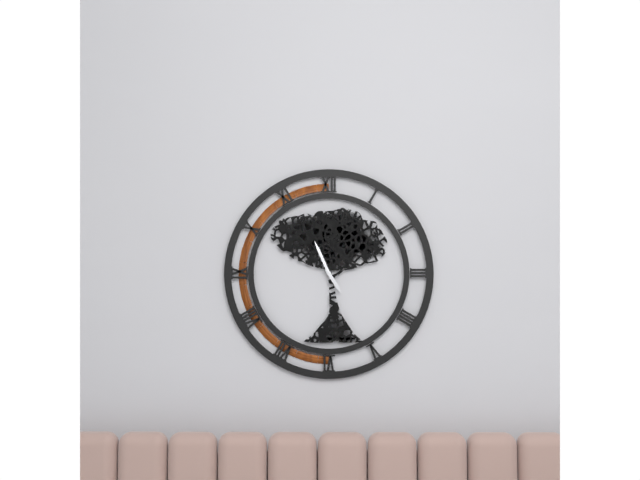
{"hour": 4, "minute": 56}
